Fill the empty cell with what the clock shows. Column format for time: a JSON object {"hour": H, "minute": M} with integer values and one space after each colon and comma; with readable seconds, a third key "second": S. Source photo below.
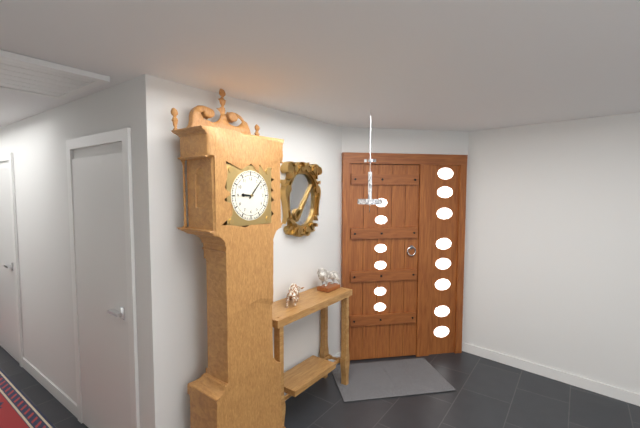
{"hour": 9, "minute": 7}
